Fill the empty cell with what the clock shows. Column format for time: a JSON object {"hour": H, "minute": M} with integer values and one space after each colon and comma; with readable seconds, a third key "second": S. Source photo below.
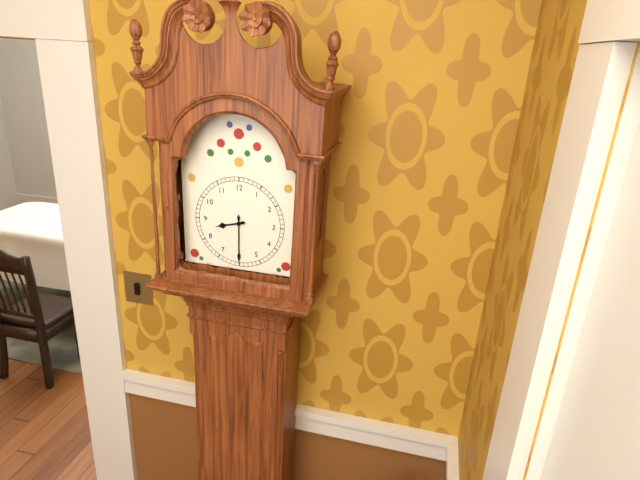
{"hour": 8, "minute": 30}
